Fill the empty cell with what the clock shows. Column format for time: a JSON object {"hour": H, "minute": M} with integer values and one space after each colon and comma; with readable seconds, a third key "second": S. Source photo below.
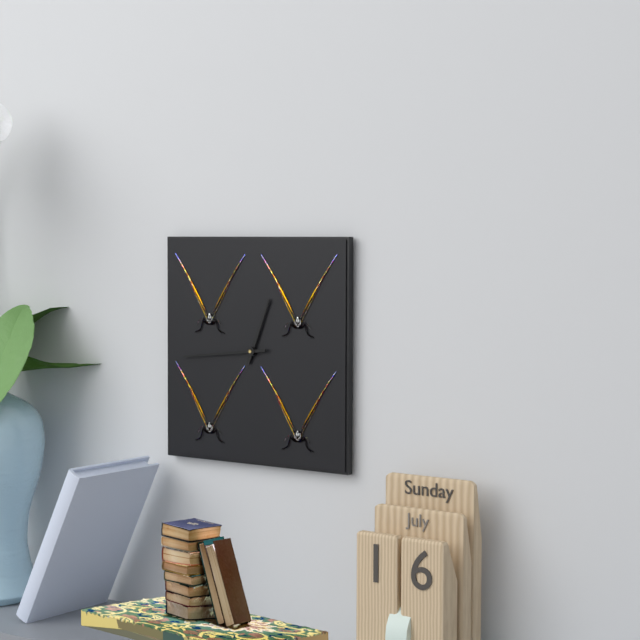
{"hour": 12, "minute": 44}
